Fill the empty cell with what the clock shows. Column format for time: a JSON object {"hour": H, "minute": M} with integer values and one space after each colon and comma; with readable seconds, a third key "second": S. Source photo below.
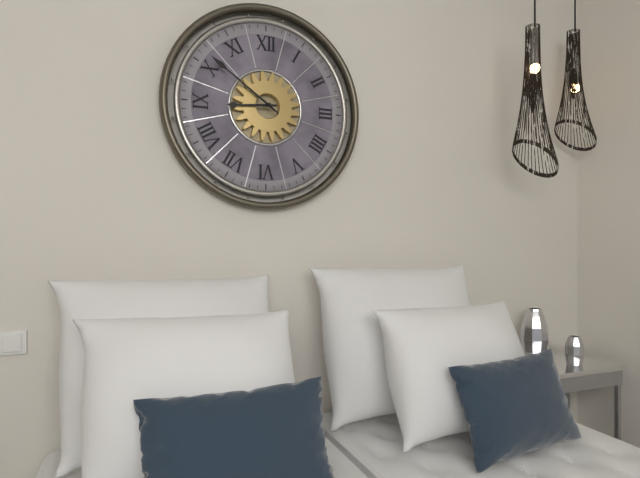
{"hour": 8, "minute": 51}
